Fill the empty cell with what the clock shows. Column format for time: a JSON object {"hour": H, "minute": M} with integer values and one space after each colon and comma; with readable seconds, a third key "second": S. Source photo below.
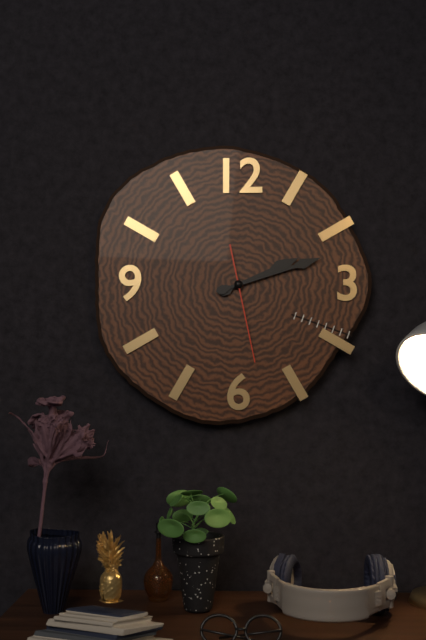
{"hour": 2, "minute": 12, "second": 28}
